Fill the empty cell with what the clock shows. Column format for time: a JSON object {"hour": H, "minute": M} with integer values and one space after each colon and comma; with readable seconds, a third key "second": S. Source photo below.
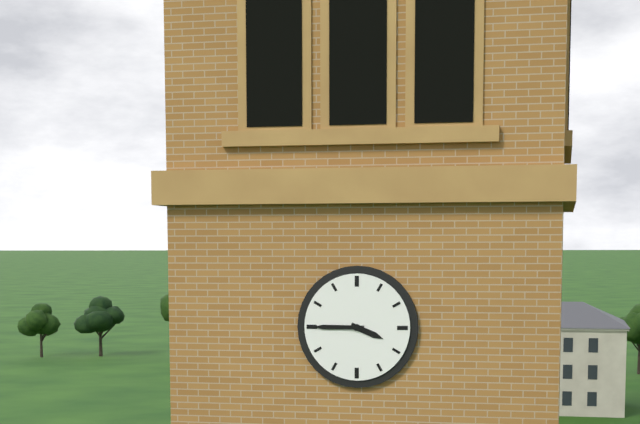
{"hour": 3, "minute": 45}
